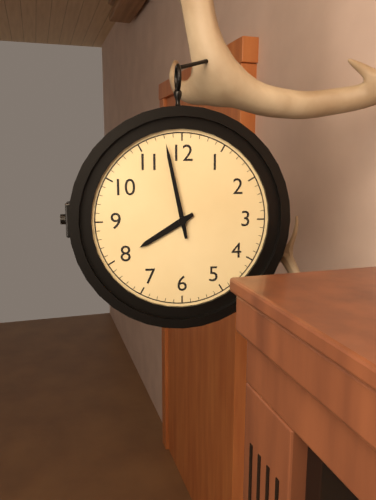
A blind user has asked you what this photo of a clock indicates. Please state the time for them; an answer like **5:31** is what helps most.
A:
**7:58**
